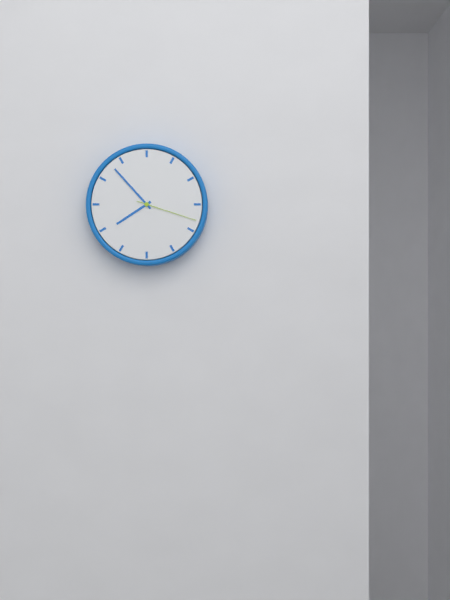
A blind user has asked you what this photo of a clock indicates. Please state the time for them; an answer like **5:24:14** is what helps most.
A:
**7:53:18**
